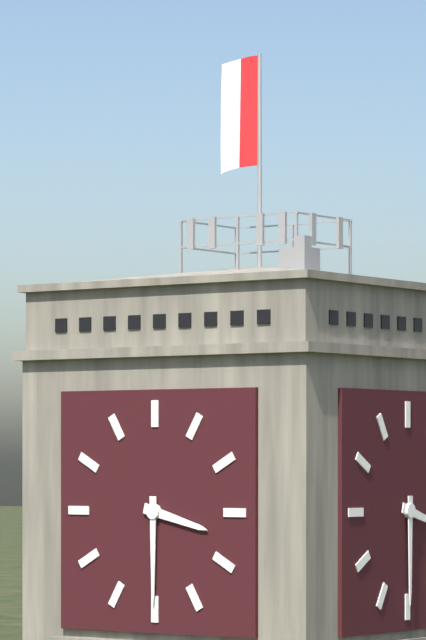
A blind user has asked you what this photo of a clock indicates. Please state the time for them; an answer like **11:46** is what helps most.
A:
**3:30**
